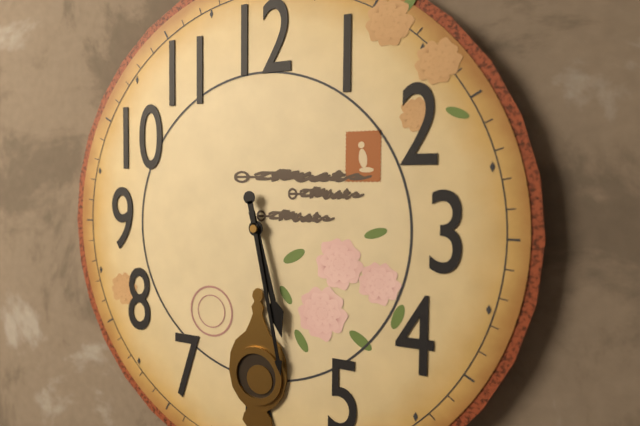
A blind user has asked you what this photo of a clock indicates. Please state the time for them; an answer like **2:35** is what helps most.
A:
**5:28**
